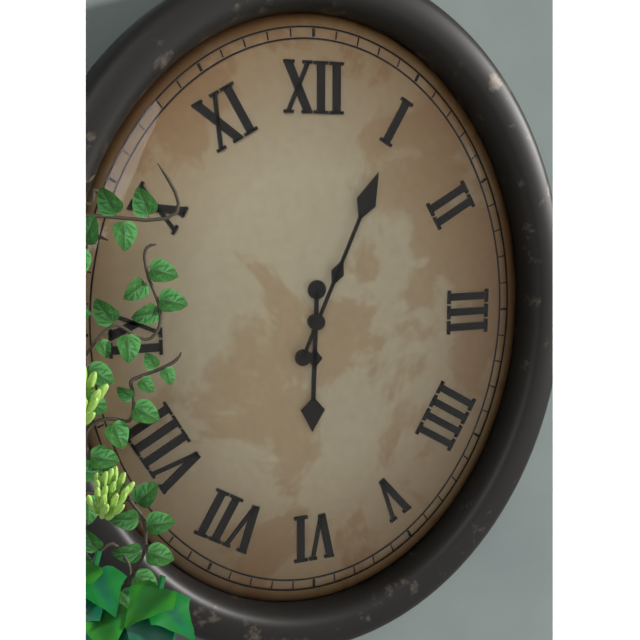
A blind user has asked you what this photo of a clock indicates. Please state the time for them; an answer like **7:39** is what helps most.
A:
**6:04**
